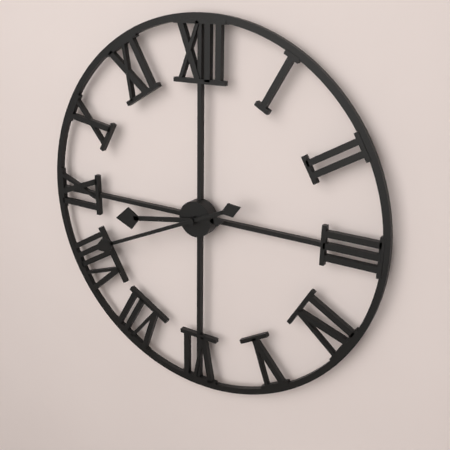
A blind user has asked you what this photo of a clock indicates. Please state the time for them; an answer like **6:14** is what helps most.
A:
**8:41**
